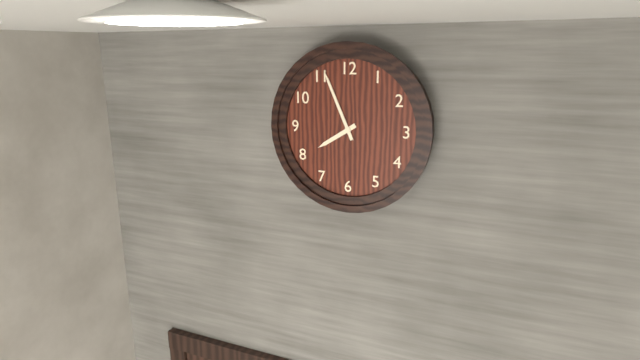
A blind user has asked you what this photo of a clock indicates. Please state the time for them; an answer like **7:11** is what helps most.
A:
**7:56**
